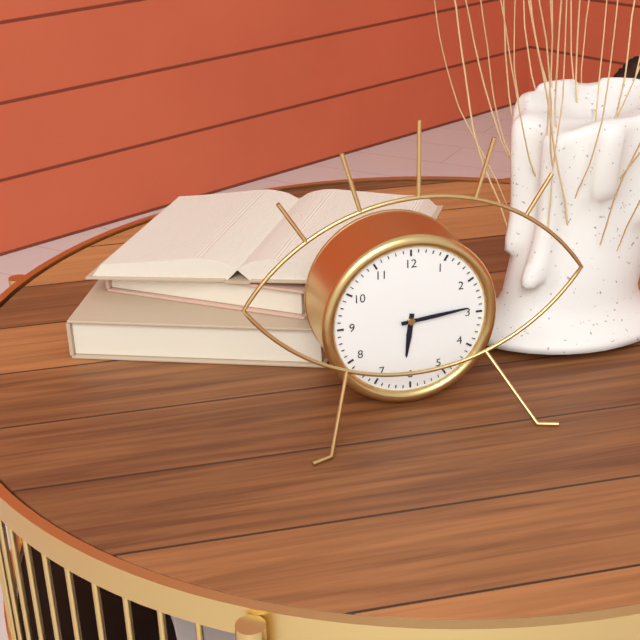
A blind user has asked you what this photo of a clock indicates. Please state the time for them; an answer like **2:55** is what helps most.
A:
**6:14**
